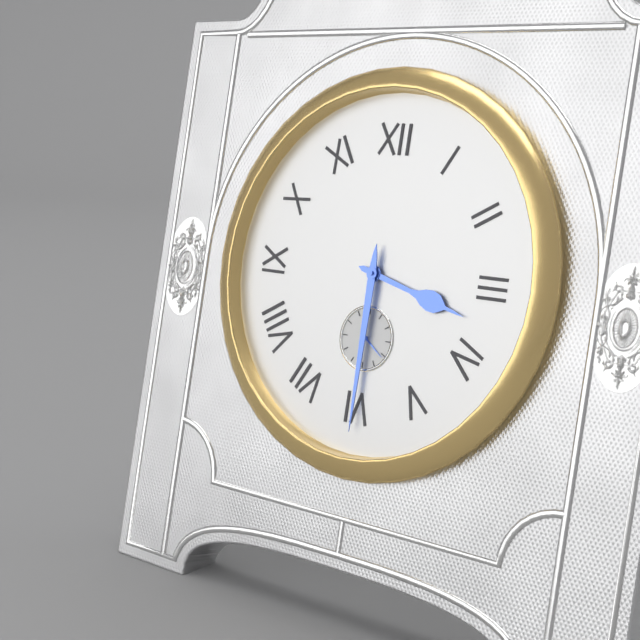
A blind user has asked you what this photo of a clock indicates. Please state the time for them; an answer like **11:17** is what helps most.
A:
**3:30**
